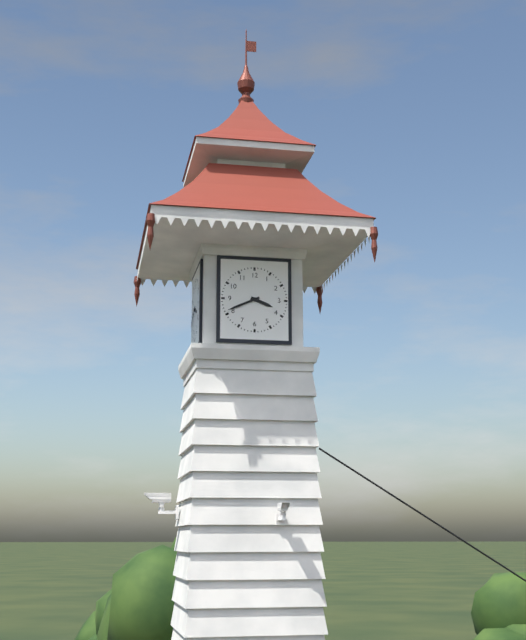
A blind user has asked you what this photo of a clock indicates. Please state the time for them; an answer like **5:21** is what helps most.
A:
**3:41**
